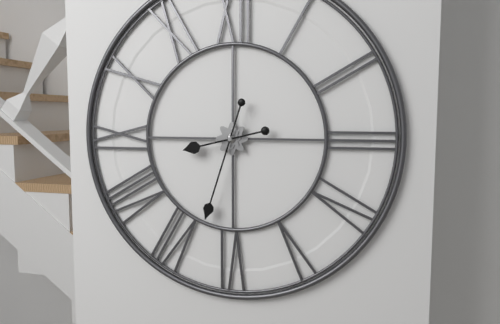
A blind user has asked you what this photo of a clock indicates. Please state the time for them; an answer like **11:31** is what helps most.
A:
**8:33**
